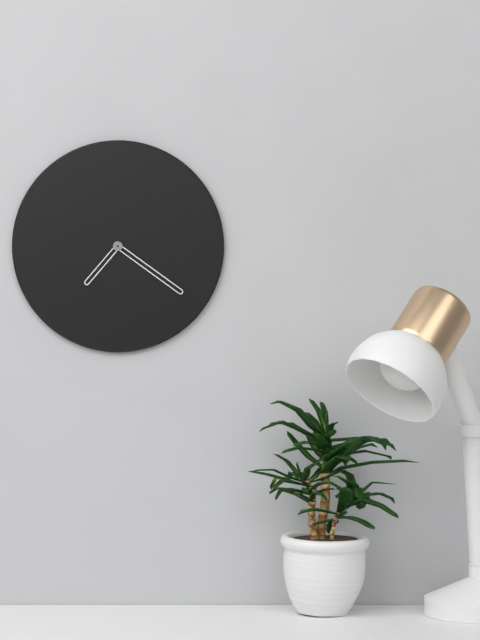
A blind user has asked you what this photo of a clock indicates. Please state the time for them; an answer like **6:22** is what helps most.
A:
**7:21**
